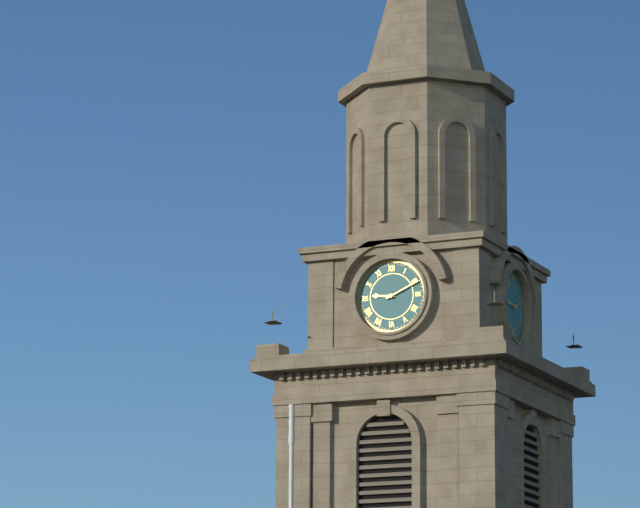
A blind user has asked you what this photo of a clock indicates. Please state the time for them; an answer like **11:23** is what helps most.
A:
**9:11**
